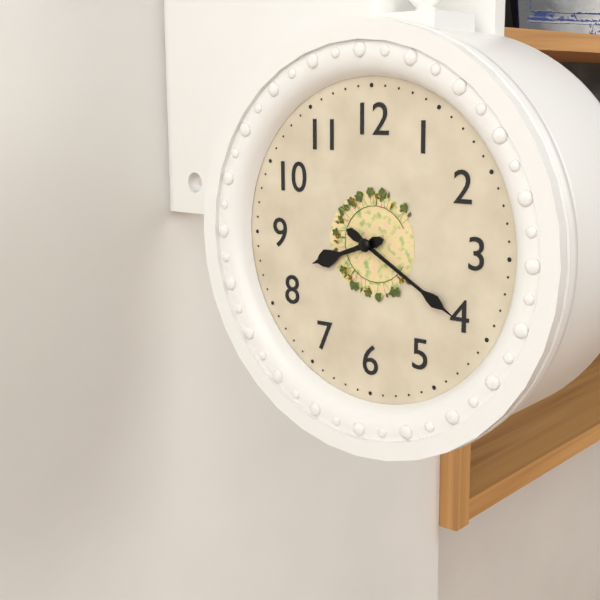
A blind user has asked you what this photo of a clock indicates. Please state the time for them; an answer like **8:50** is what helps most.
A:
**8:20**
